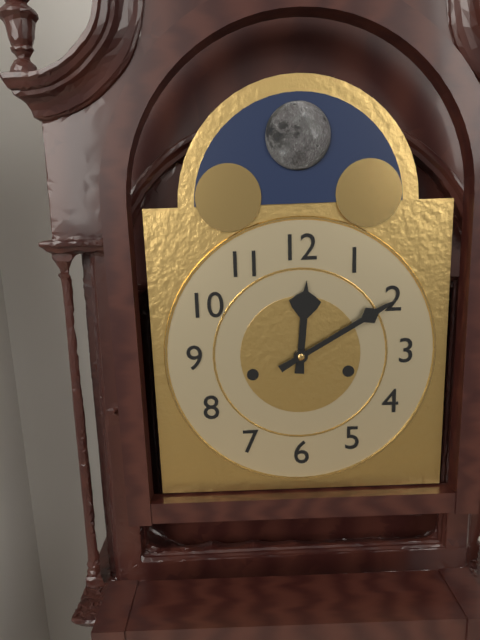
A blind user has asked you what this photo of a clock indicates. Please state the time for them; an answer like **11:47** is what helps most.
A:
**12:10**
